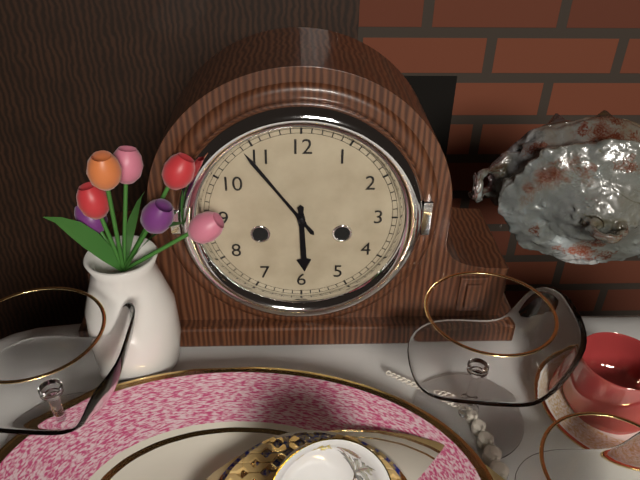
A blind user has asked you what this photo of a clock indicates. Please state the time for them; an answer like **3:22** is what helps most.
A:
**5:54**
